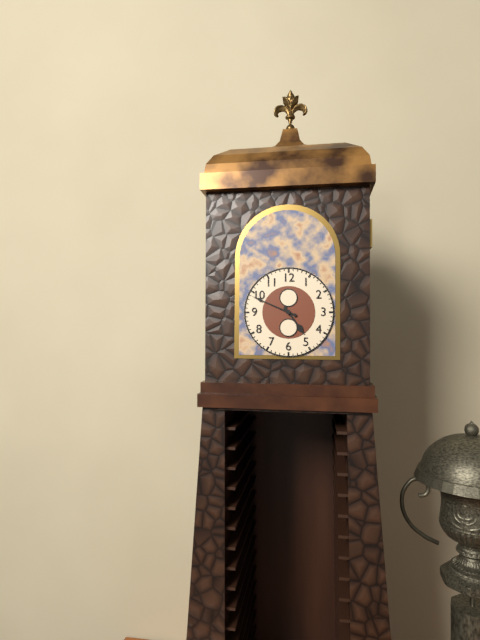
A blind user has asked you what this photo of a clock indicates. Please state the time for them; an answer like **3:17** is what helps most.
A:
**4:49**
